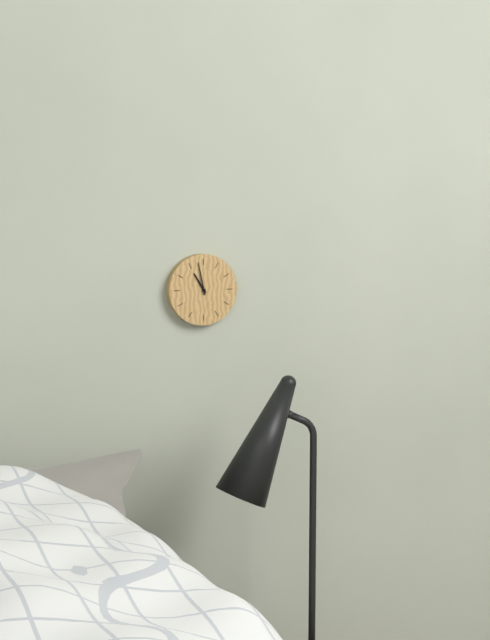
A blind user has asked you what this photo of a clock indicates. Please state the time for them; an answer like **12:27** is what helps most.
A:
**10:58**
